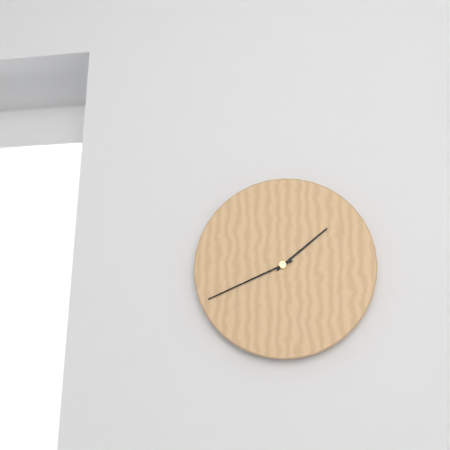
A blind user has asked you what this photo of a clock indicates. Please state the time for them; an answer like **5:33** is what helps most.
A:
**1:41**
